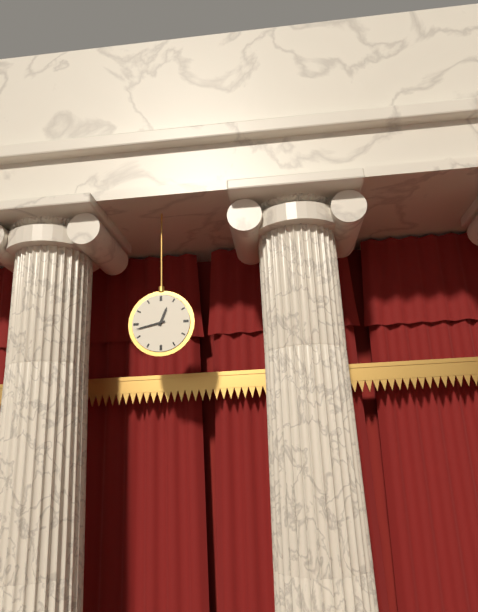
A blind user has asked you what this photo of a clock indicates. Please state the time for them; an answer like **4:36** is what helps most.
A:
**12:43**
